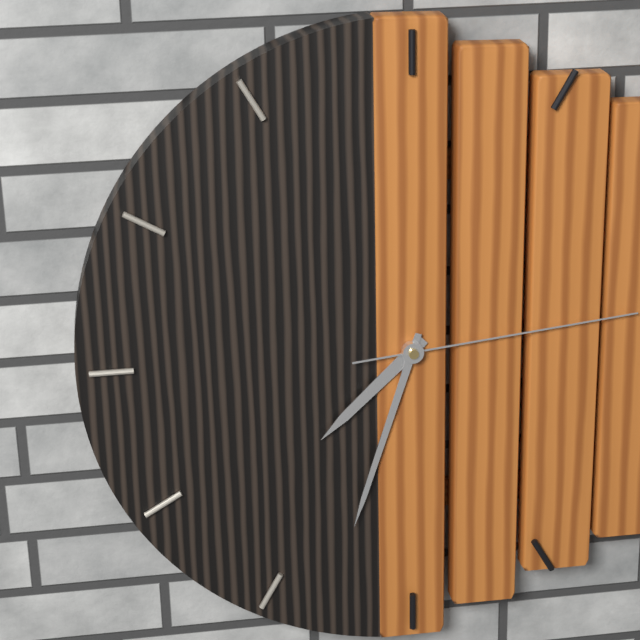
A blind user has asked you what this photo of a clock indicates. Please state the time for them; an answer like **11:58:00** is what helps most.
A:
**7:33:14**
